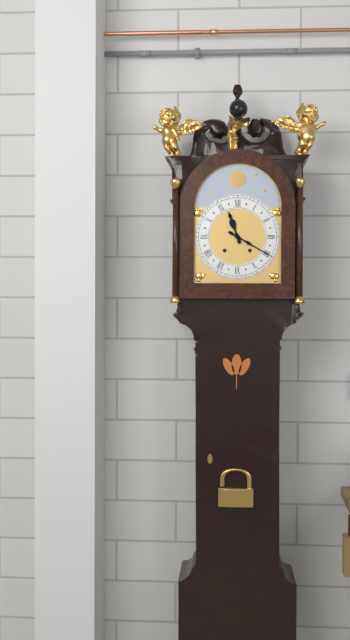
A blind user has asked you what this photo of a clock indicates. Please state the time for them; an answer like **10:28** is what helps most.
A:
**11:20**
